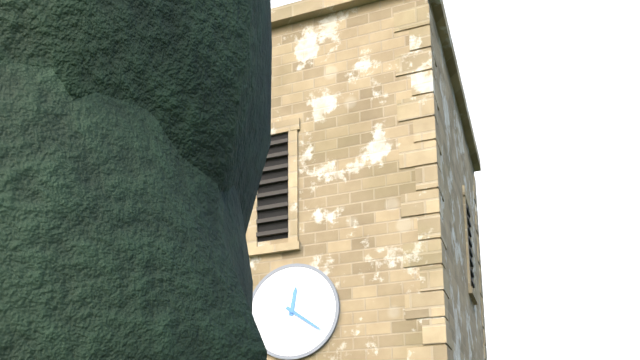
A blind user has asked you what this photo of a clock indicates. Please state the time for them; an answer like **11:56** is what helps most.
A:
**12:21**
